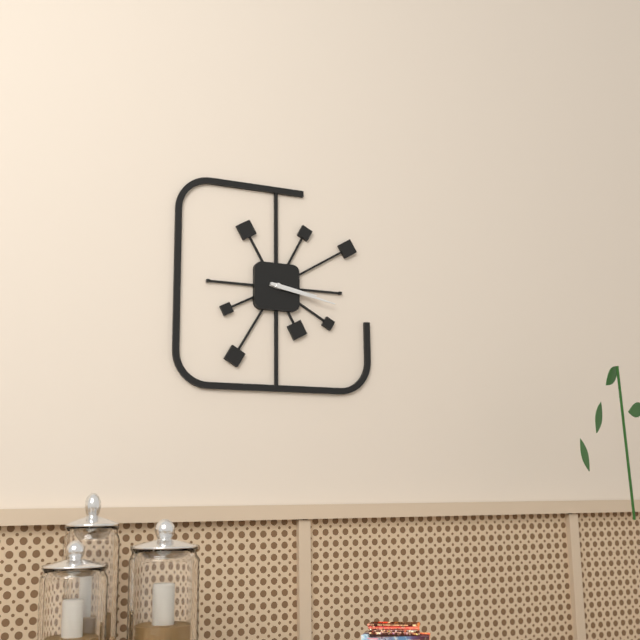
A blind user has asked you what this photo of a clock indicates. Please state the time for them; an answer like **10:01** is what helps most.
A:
**3:17**
